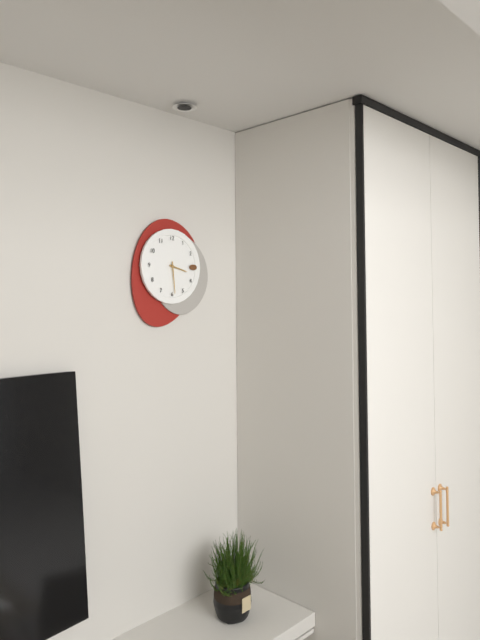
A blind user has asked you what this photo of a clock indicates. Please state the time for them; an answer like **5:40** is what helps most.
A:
**3:29**
